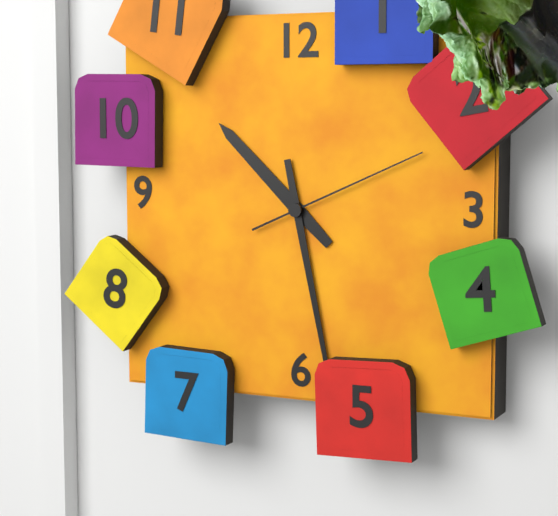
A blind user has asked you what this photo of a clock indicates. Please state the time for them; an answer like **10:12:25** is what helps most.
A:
**10:28:11**
